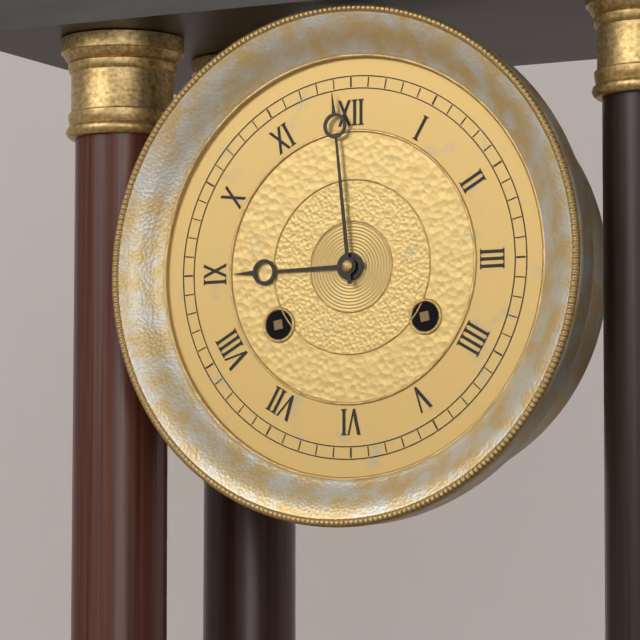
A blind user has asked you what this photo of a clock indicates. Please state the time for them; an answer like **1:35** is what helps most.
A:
**8:59**
